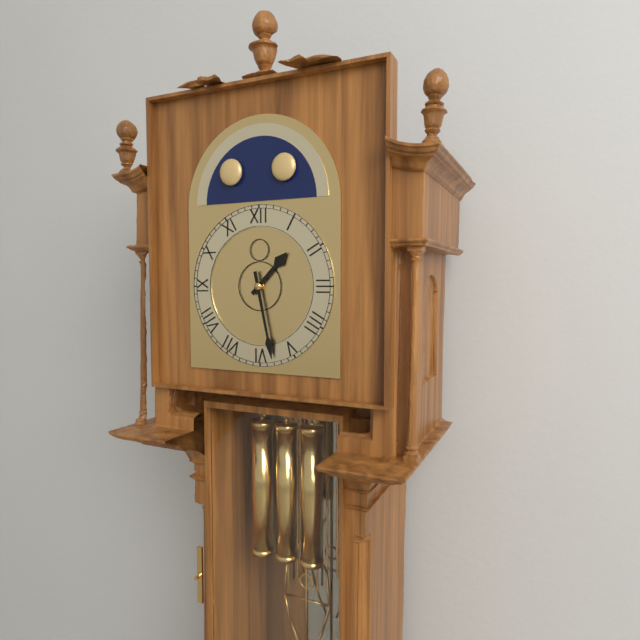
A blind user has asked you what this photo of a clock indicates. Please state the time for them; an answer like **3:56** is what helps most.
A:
**1:28**
